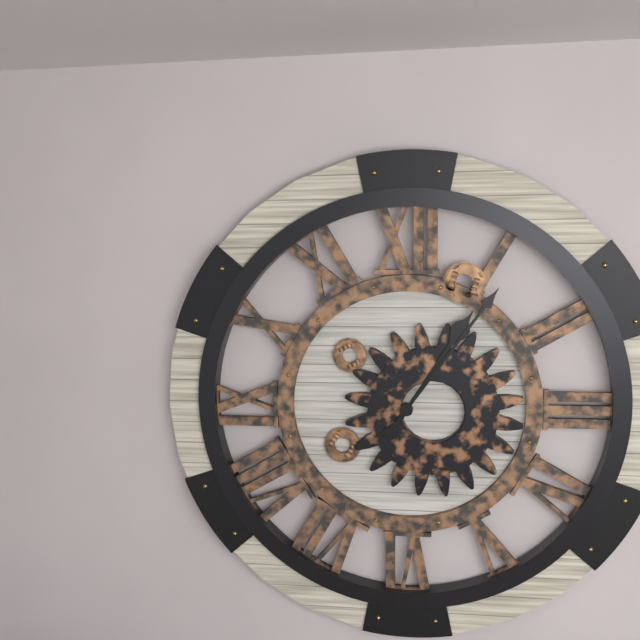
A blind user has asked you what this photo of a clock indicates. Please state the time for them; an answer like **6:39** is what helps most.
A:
**1:06**
